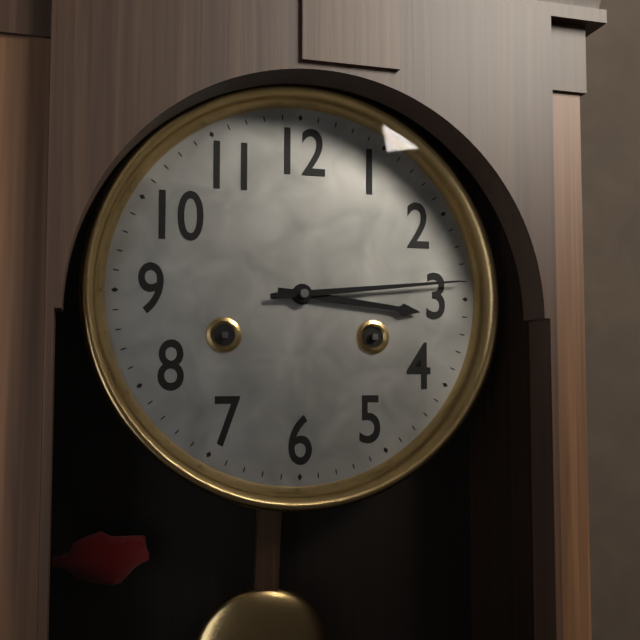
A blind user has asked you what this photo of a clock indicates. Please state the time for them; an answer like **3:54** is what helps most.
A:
**3:14**
